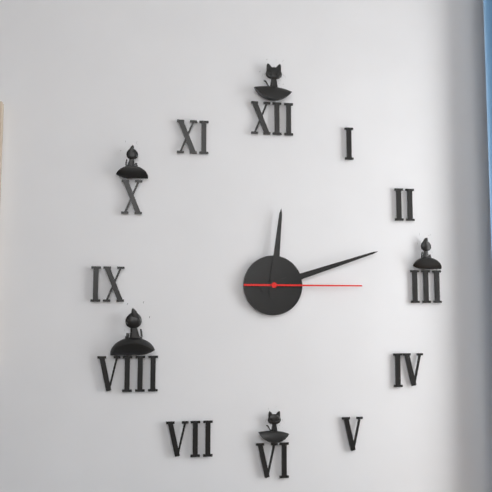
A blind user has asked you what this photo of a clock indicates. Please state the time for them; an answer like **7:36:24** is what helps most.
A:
**12:12:15**
